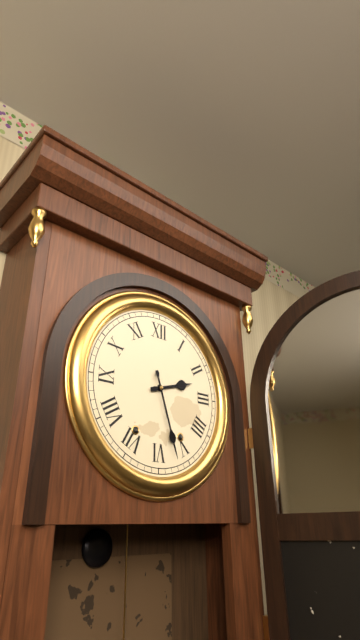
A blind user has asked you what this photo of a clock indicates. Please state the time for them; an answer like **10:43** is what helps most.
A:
**2:27**
